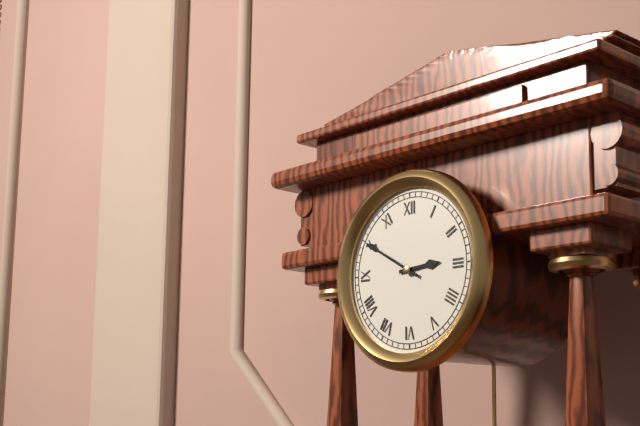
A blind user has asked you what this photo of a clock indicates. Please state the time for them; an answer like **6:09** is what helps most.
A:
**2:50**
